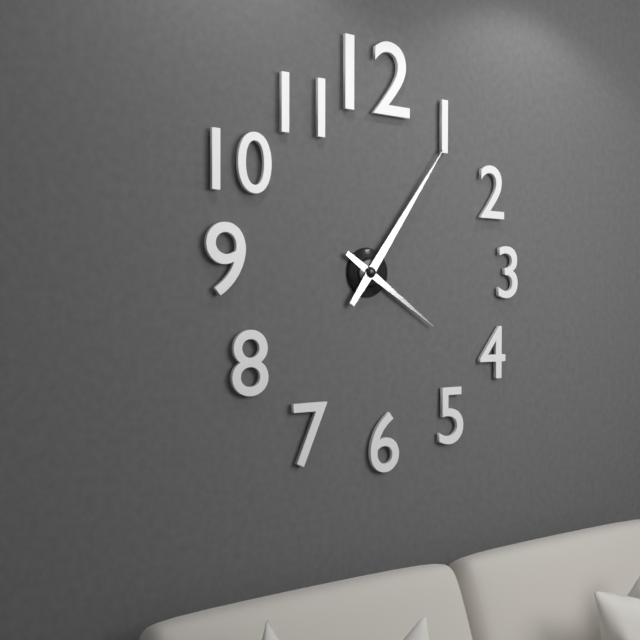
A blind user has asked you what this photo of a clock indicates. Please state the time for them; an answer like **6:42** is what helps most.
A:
**4:06**
